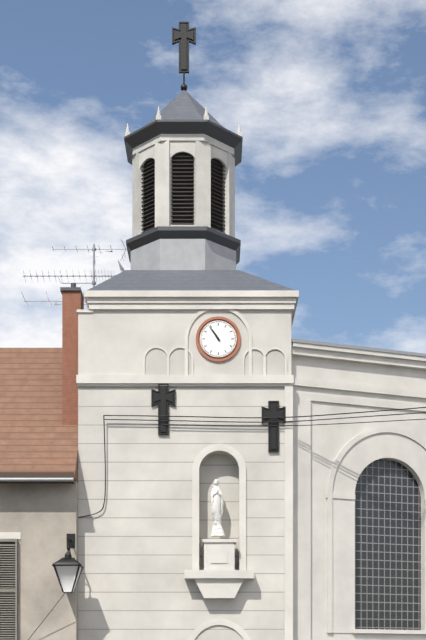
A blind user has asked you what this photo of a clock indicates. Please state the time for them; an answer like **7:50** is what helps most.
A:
**10:54**
